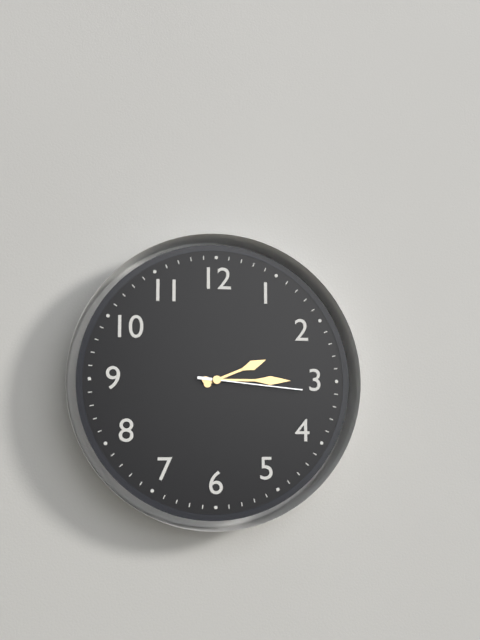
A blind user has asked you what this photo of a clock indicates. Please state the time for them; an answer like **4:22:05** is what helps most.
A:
**2:15:16**
